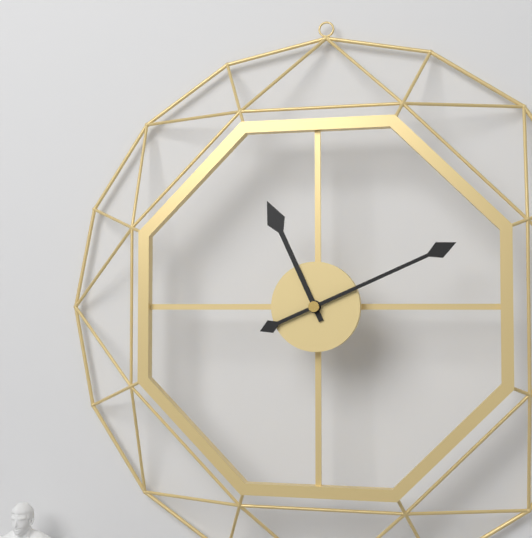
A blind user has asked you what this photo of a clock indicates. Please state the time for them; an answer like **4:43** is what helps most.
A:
**11:11**
